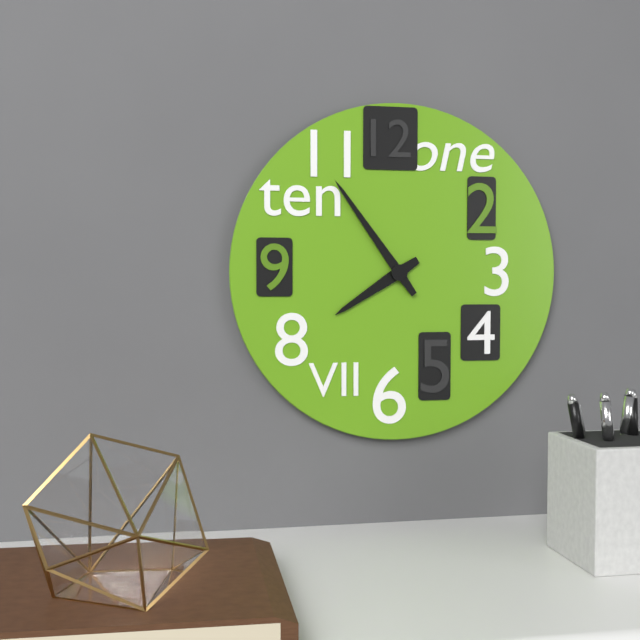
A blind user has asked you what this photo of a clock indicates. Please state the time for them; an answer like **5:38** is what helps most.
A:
**7:54**
